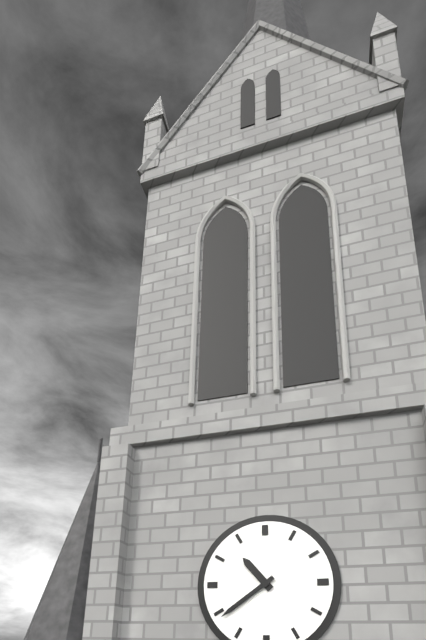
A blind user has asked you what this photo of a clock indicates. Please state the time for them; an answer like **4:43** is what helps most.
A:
**10:39**
